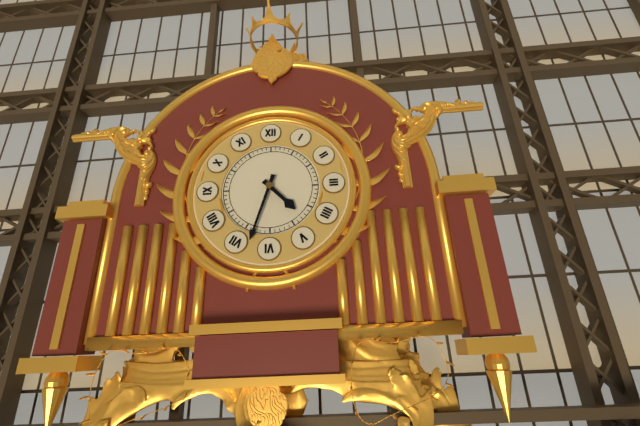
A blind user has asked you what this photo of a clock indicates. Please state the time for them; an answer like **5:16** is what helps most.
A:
**4:33**
